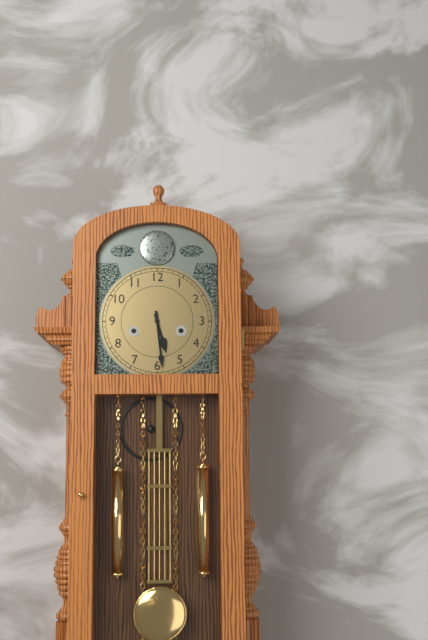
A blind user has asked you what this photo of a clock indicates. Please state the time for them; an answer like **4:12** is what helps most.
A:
**5:29**
